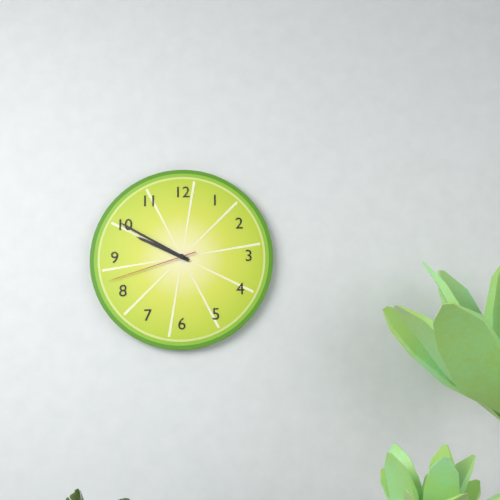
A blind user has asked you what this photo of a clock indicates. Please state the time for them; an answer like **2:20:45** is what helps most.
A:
**9:50:42**
